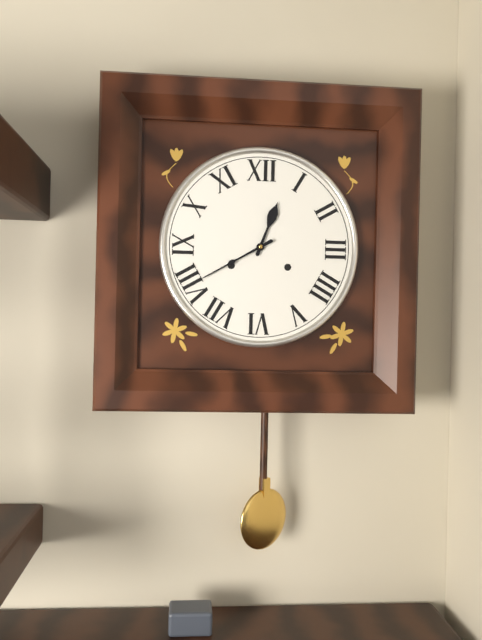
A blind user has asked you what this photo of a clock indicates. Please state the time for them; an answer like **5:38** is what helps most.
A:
**12:40**
